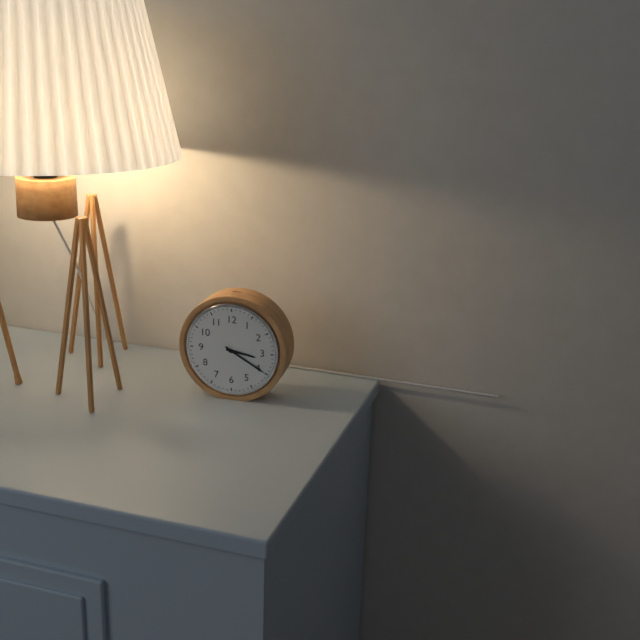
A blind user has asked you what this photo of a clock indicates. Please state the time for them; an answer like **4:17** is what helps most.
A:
**3:20**
